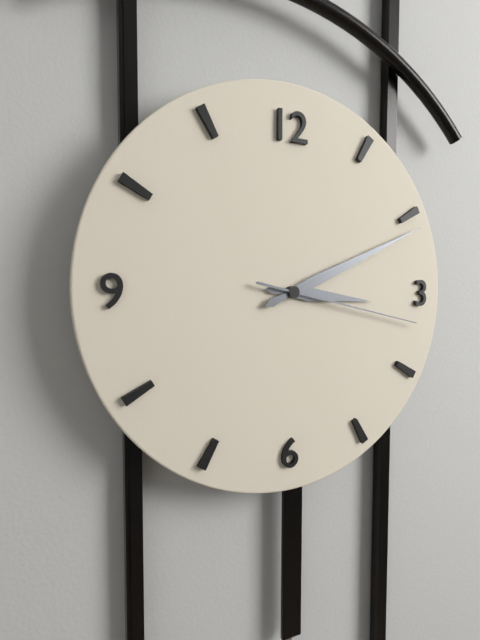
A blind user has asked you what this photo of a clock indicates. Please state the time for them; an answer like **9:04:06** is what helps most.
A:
**3:11:17**
